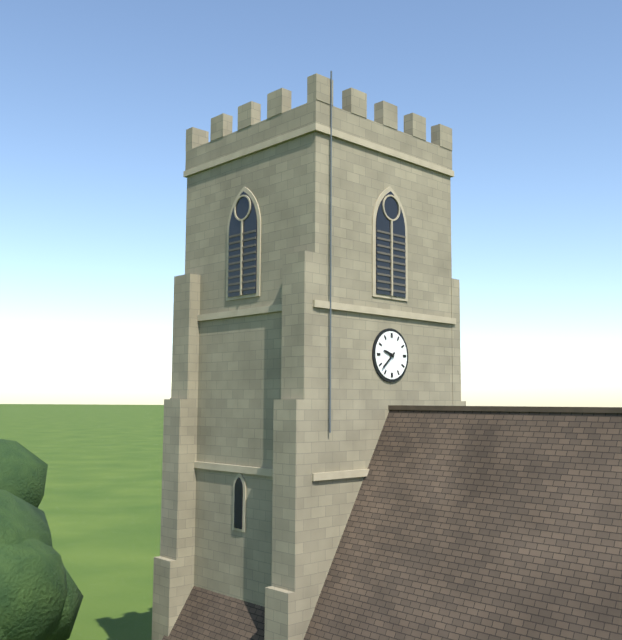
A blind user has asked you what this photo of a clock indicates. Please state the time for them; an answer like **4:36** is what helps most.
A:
**9:38**
